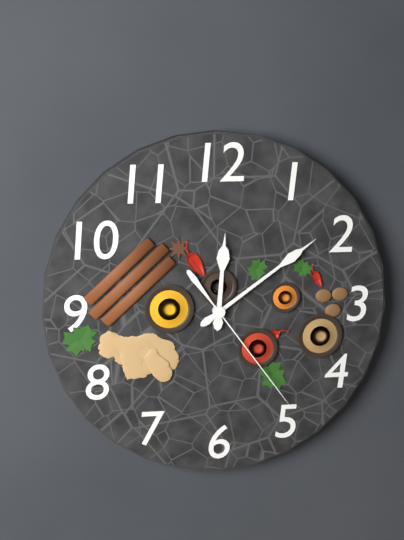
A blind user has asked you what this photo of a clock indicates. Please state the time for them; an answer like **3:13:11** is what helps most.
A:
**12:09:24**
